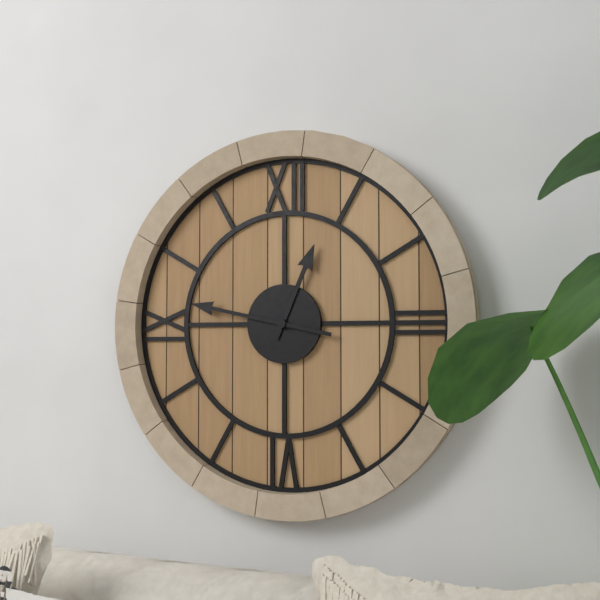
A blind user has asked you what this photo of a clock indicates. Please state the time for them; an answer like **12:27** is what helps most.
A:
**12:47**
